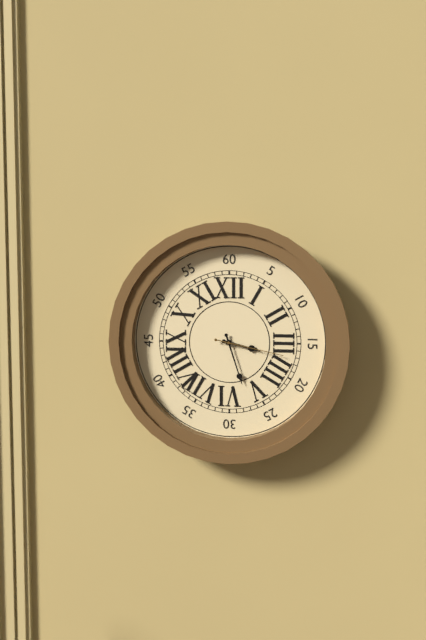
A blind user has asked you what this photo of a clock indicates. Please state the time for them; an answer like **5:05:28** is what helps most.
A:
**3:27:17**
